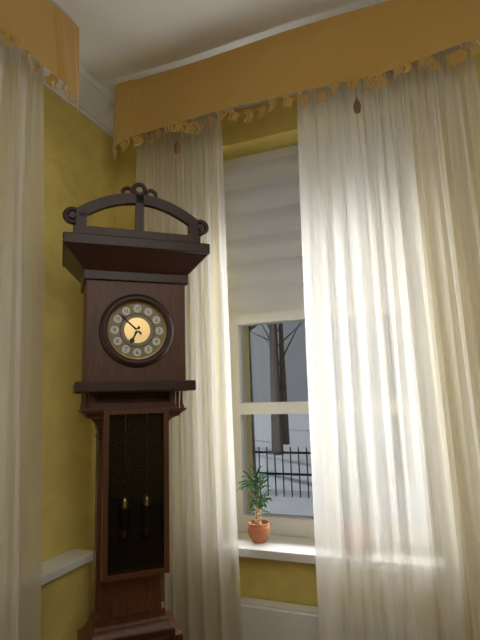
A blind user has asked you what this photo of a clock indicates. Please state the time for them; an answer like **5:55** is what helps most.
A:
**6:52**
